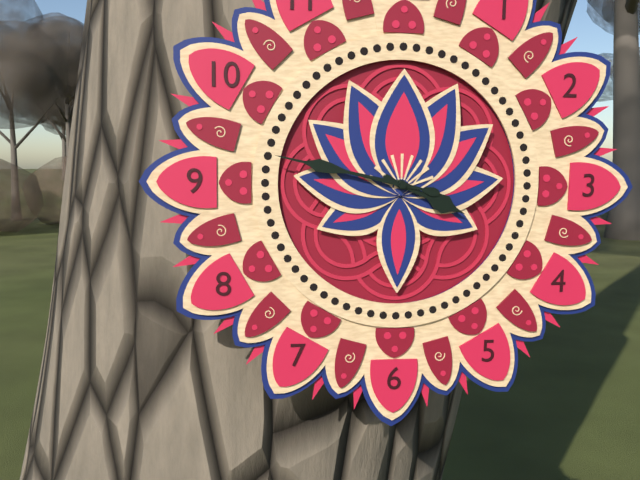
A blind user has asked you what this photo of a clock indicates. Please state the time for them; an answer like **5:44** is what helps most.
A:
**3:47**
